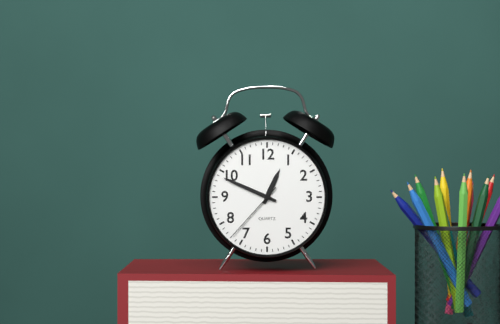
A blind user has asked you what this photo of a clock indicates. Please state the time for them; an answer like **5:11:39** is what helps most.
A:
**12:49:37**
